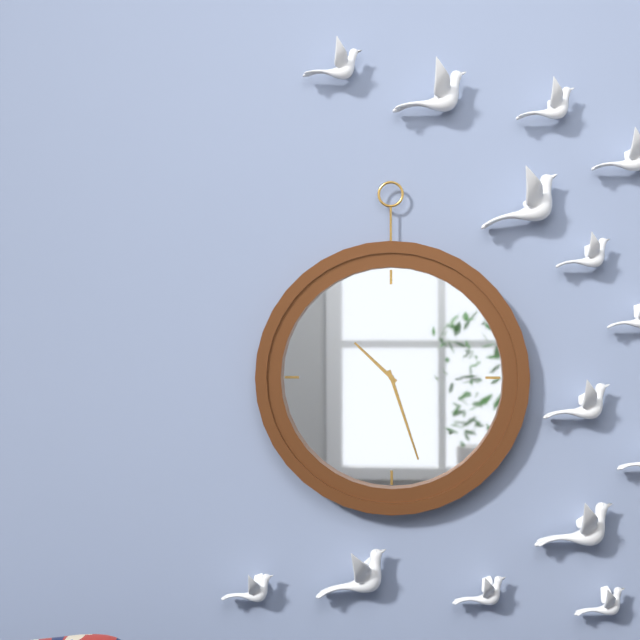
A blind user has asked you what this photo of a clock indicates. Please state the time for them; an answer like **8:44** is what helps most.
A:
**10:27**
